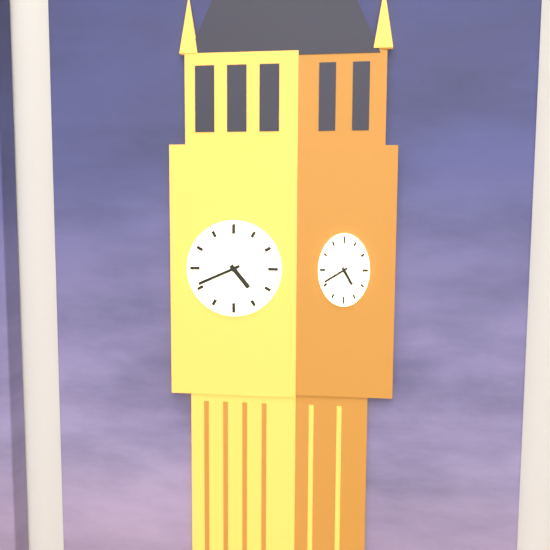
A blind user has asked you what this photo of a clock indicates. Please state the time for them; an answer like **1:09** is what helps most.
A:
**4:41**
